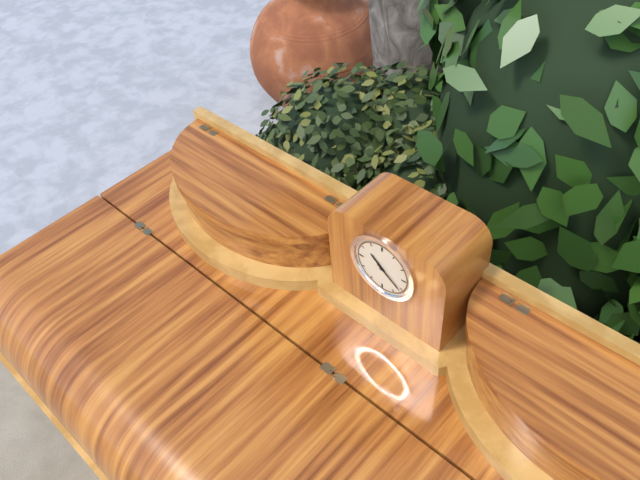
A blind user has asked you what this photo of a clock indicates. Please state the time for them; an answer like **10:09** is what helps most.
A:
**10:21**
